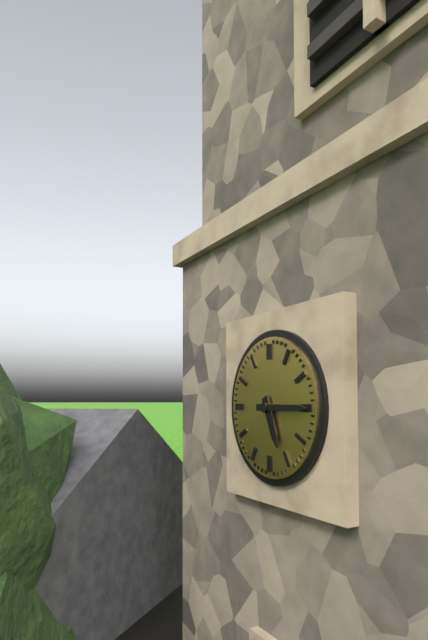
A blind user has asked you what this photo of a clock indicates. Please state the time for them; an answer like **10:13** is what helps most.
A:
**5:15**
